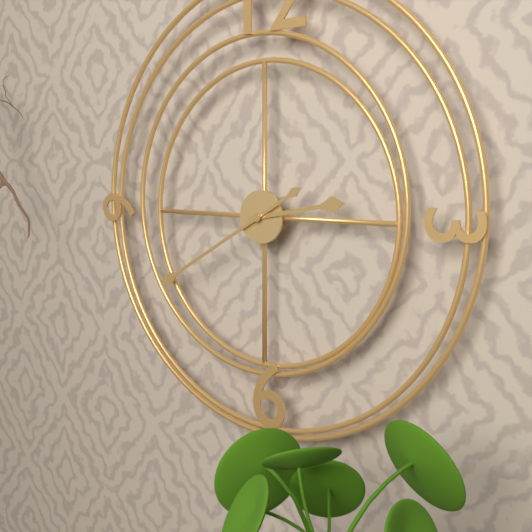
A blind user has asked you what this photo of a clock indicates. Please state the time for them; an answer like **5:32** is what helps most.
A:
**2:40**
